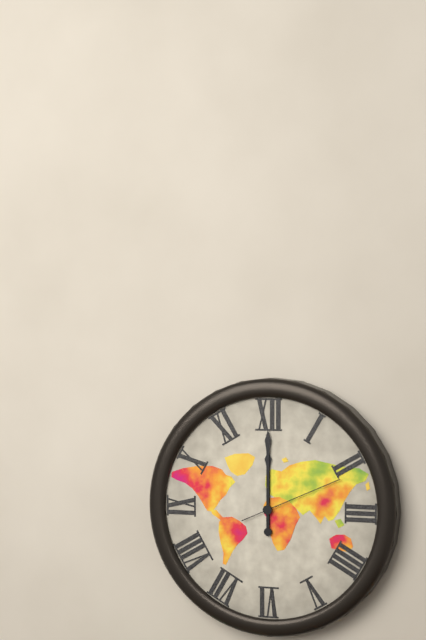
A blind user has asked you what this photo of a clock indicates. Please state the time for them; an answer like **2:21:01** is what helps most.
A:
**12:00:11**
